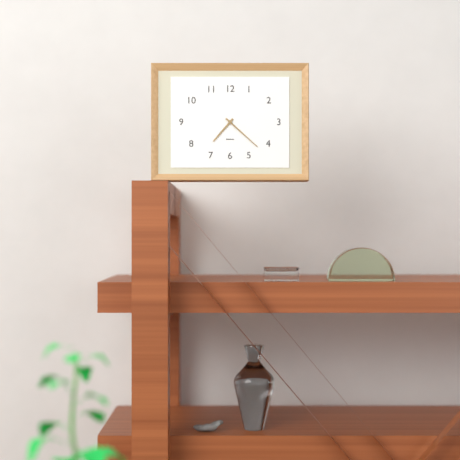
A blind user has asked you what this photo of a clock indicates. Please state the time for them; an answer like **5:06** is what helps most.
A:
**7:22**
